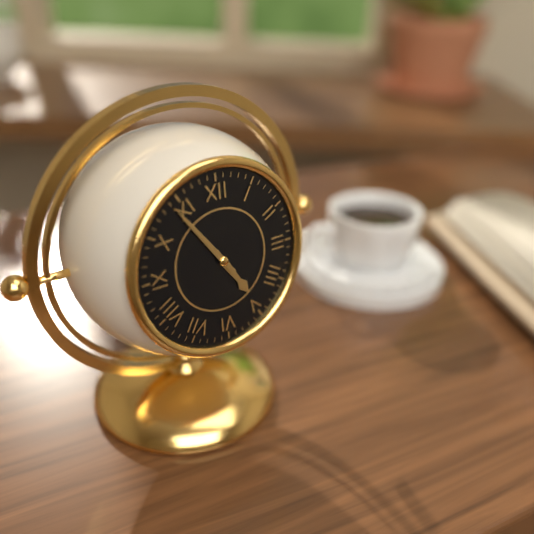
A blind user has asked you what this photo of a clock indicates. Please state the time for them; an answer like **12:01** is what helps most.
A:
**4:54**
